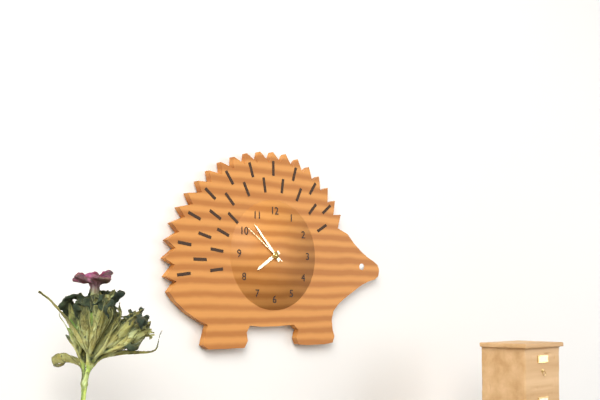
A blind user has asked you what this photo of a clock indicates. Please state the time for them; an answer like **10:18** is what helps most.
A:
**7:53**
